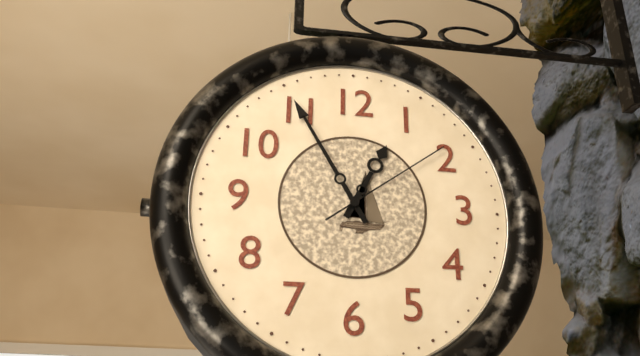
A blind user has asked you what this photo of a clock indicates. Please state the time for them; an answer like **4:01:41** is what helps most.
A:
**12:55:09**
